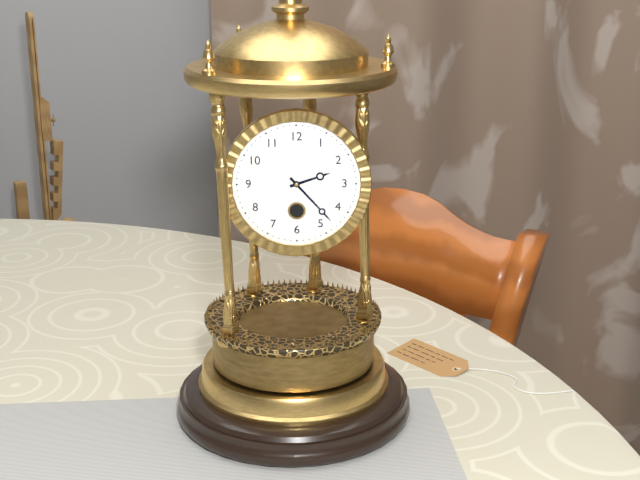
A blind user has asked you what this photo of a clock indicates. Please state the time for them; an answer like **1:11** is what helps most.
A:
**2:23**
